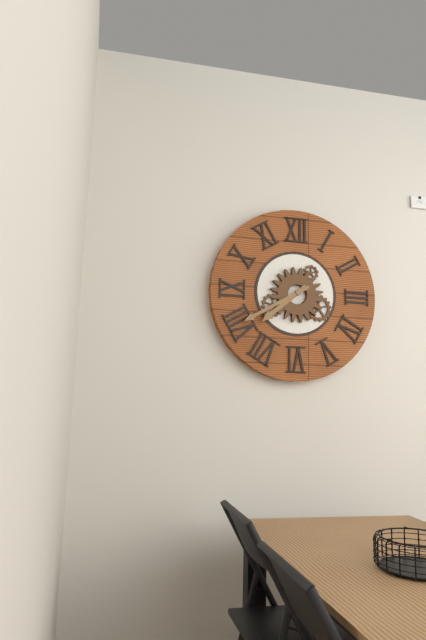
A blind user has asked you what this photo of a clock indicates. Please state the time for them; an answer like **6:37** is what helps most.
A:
**7:40**
